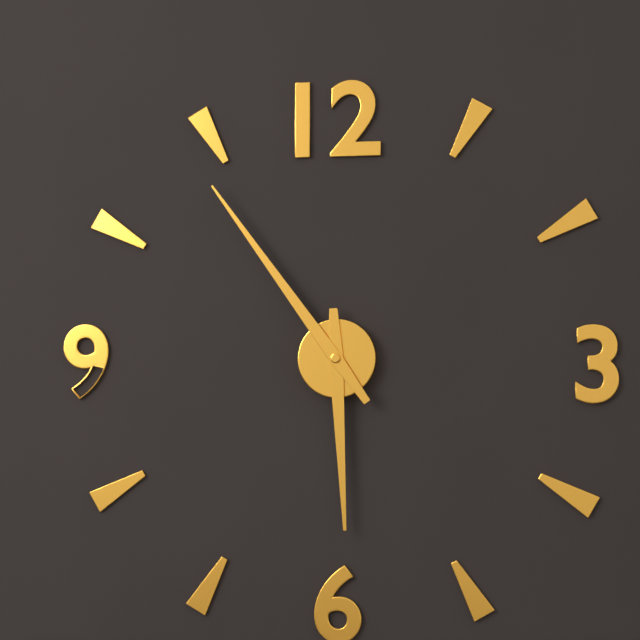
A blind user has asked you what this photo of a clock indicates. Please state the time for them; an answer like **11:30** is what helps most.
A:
**5:54**
